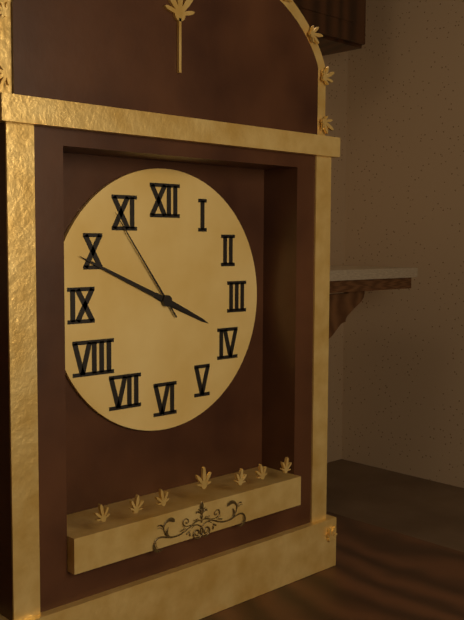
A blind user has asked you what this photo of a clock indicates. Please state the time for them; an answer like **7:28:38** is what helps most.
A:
**3:49:54**
